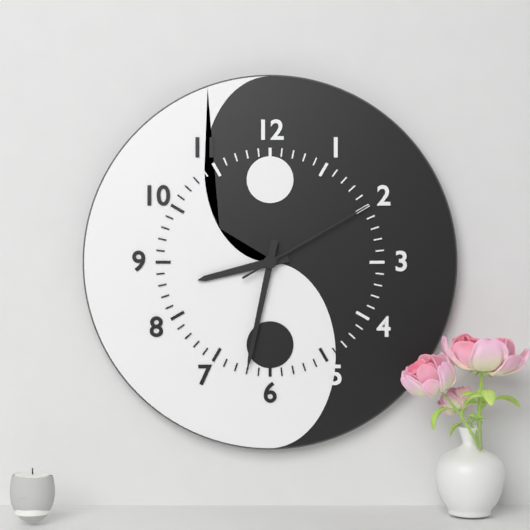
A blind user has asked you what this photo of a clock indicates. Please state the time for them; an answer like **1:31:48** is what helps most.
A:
**8:32:10**
